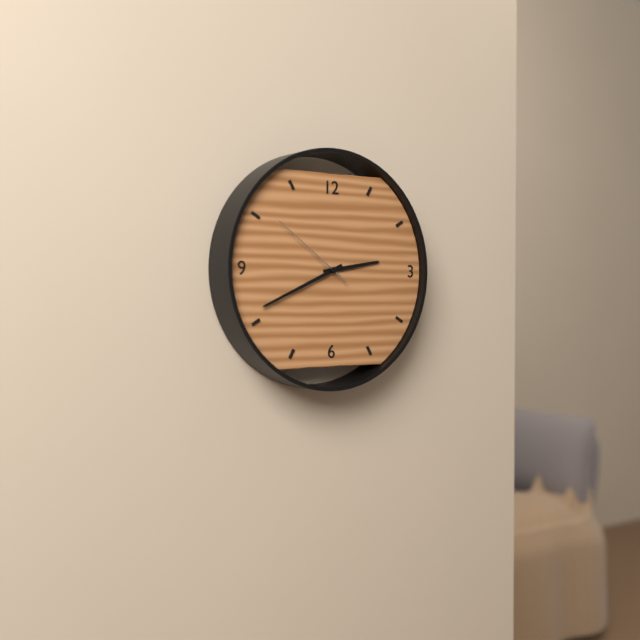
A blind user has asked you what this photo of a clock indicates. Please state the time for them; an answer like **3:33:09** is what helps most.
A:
**2:41:51**
